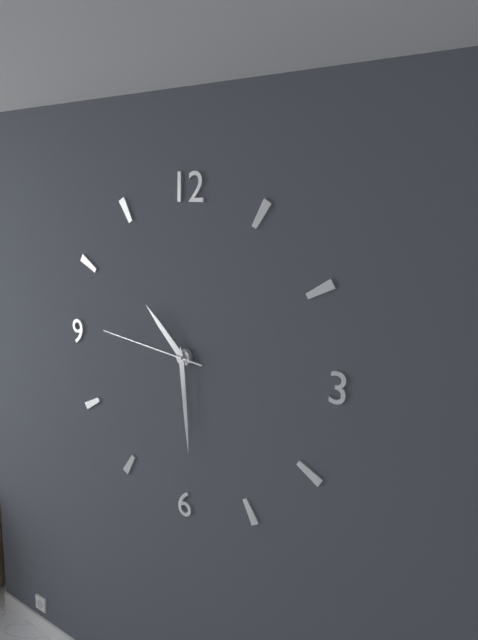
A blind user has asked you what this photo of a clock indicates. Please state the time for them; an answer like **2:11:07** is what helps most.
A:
**10:29:46**
